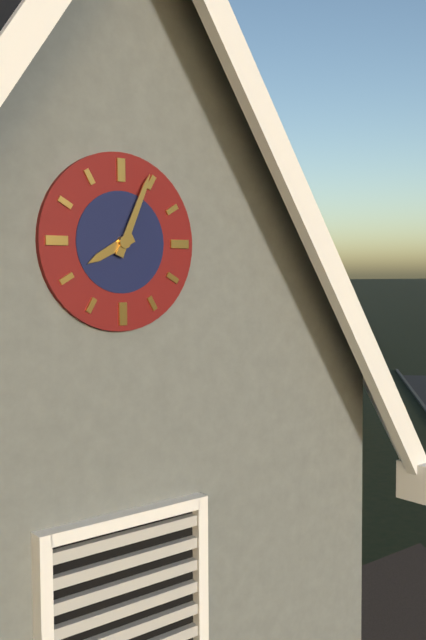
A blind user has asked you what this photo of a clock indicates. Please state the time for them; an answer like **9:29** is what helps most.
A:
**8:04**
